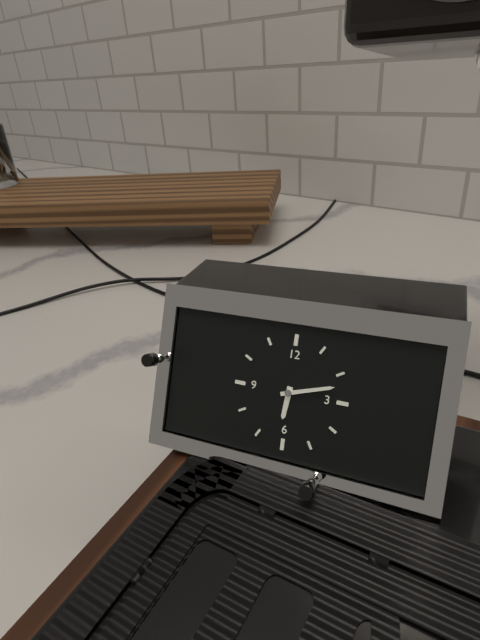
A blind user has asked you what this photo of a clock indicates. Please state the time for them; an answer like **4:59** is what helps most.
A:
**6:12**
